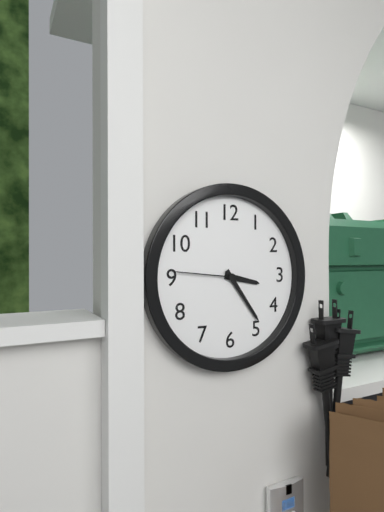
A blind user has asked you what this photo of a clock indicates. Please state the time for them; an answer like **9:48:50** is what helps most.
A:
**3:24:46**
